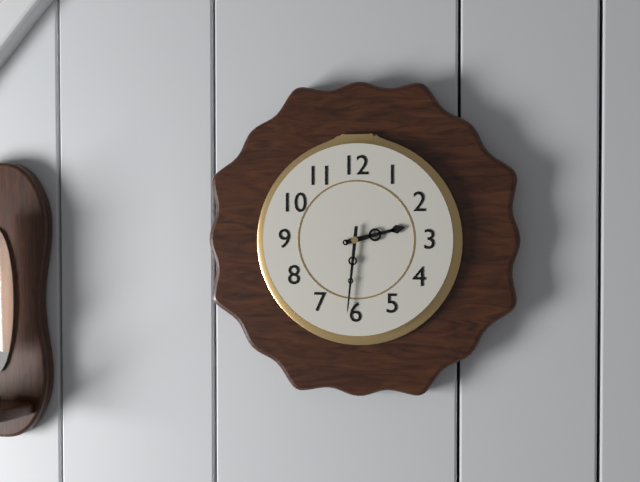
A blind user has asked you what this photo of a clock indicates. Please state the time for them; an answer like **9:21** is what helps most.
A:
**2:31**
